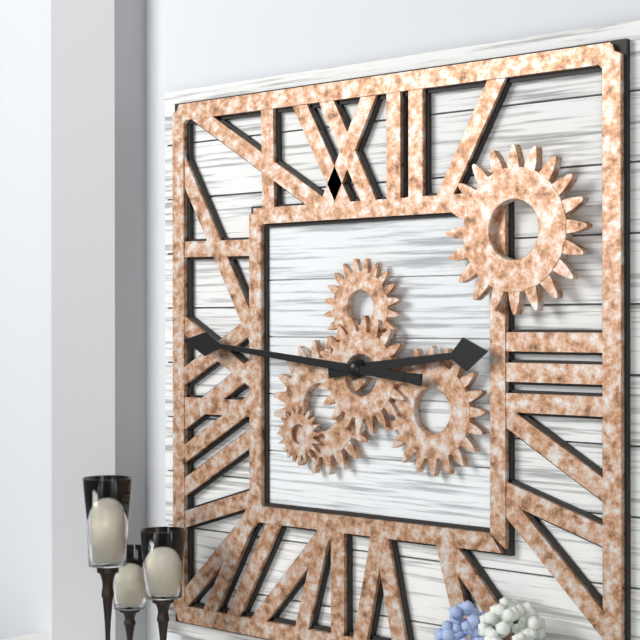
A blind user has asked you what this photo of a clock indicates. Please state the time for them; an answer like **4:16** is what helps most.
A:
**2:46**
